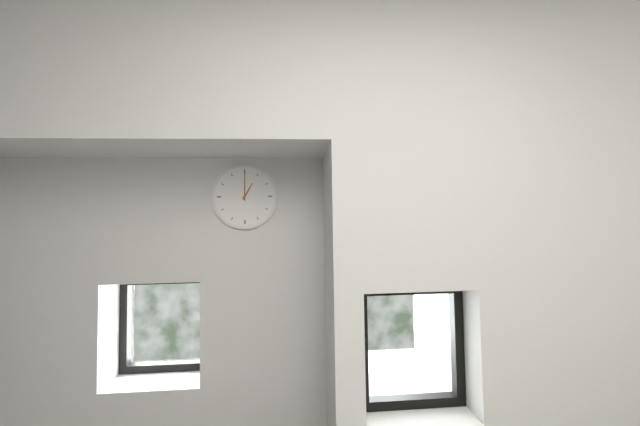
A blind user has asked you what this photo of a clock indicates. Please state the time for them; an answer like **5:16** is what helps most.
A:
**1:00**
